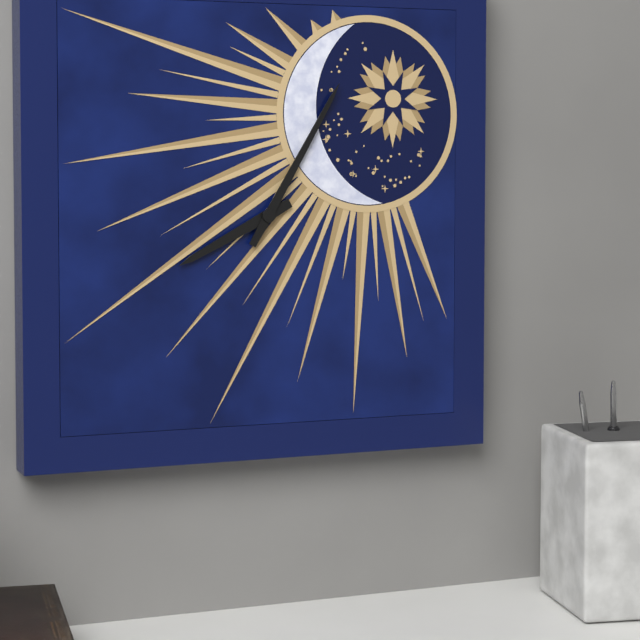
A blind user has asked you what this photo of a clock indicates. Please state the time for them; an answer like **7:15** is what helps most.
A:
**8:05**
